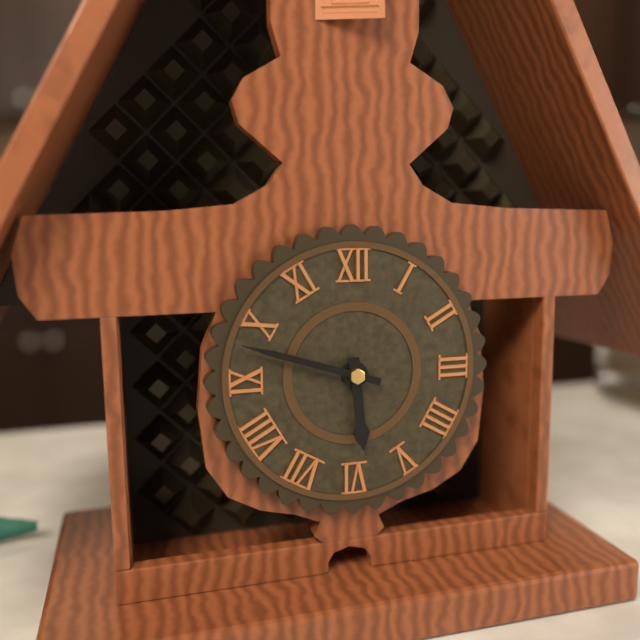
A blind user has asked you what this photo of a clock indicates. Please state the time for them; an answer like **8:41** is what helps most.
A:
**5:48**
